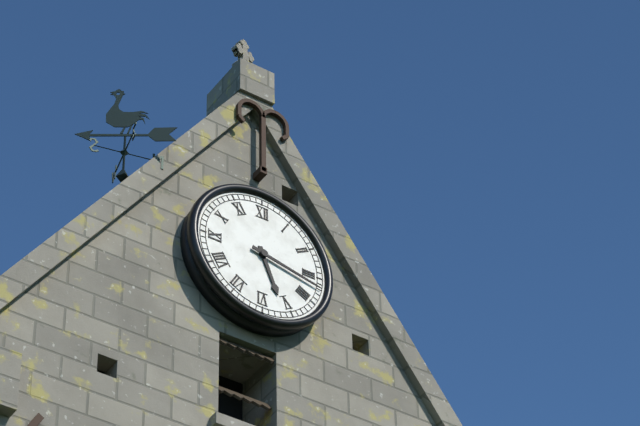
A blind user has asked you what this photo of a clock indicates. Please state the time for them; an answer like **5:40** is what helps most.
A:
**5:17**
